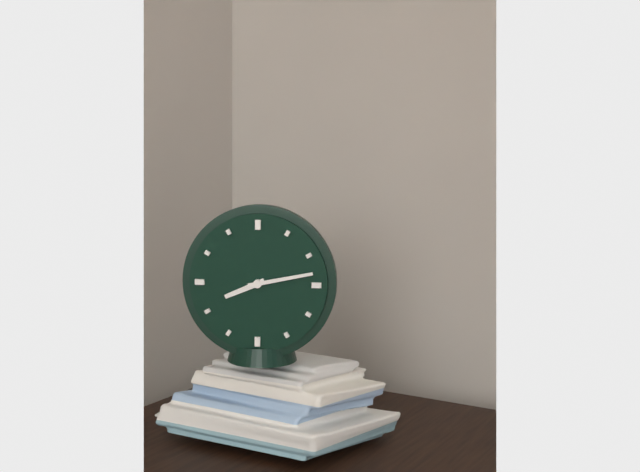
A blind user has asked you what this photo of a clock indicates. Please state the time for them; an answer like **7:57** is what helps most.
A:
**8:13**
